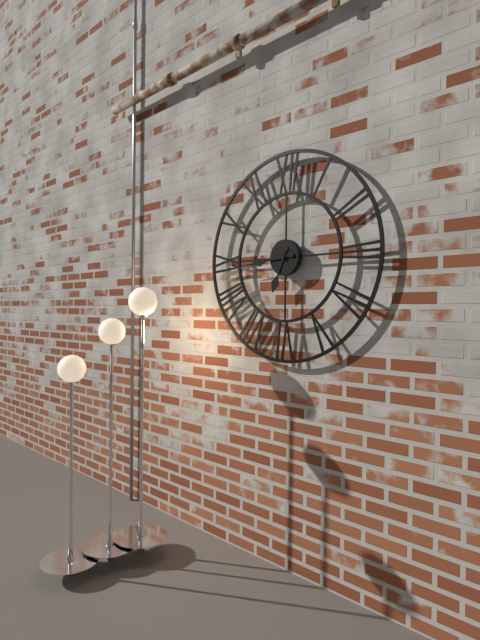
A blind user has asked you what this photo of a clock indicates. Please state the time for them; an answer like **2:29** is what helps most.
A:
**6:44**
